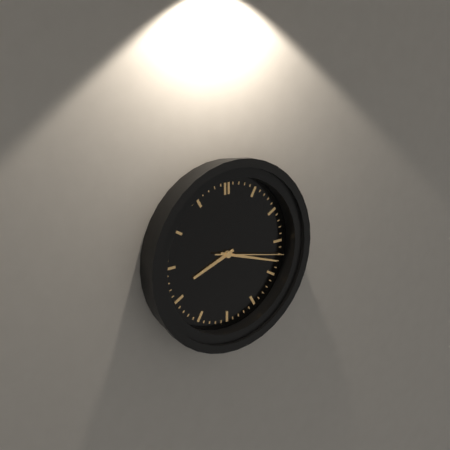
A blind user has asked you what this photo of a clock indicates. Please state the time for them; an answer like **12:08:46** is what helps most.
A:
**8:18:17**
